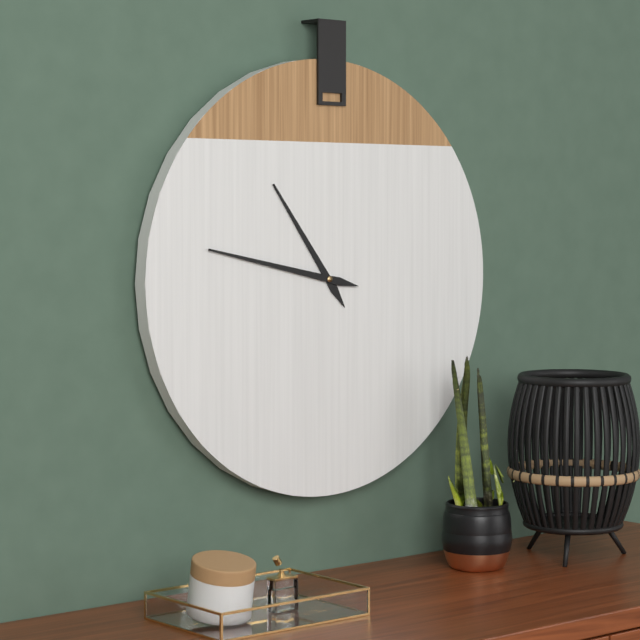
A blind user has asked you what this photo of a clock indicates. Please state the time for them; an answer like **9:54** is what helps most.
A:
**10:47**
